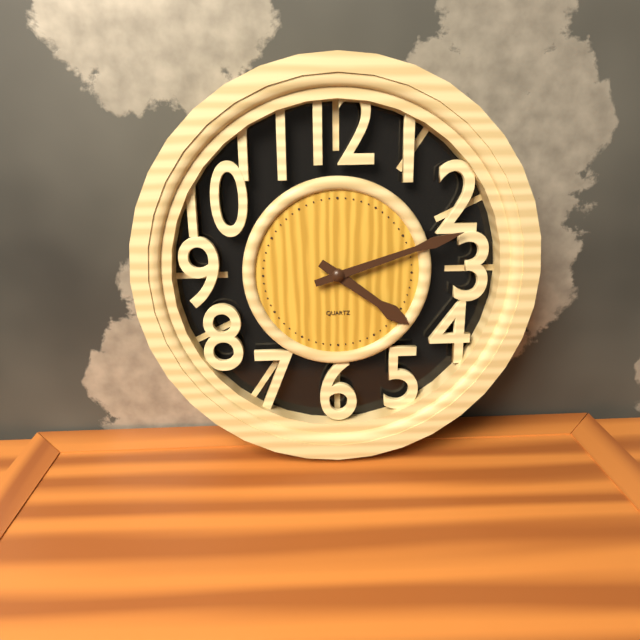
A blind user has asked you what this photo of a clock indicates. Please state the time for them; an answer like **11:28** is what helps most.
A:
**4:12**
